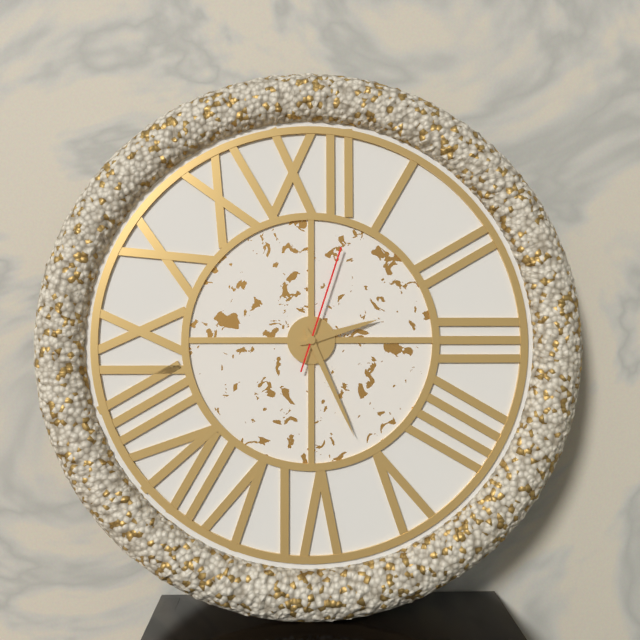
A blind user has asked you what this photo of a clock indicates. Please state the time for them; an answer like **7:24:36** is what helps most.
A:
**2:26:03**
